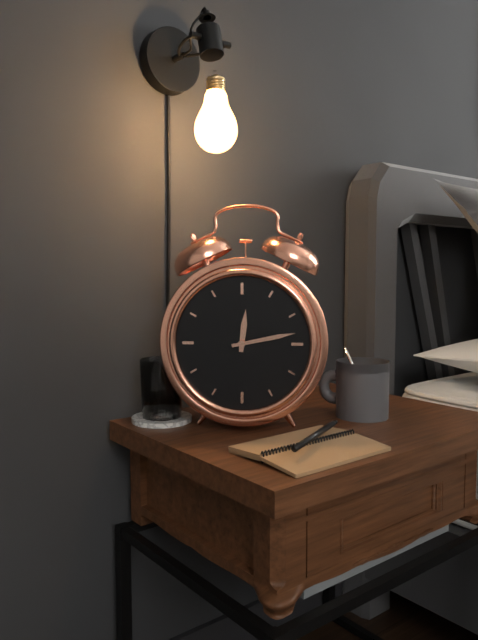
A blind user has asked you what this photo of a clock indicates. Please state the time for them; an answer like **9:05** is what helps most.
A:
**12:13**
